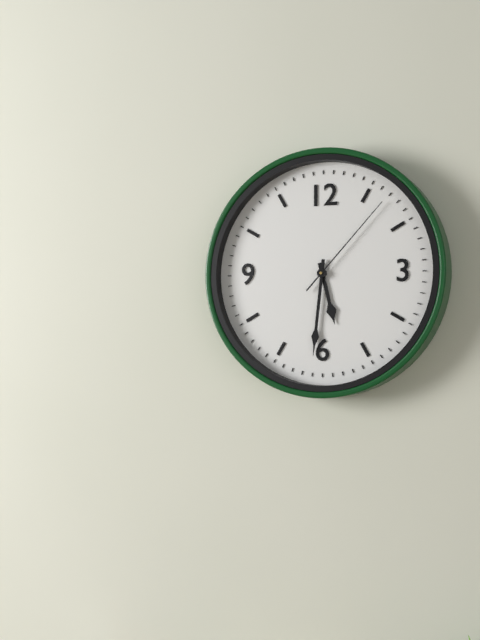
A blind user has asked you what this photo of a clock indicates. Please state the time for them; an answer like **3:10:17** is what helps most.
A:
**5:31:07**
